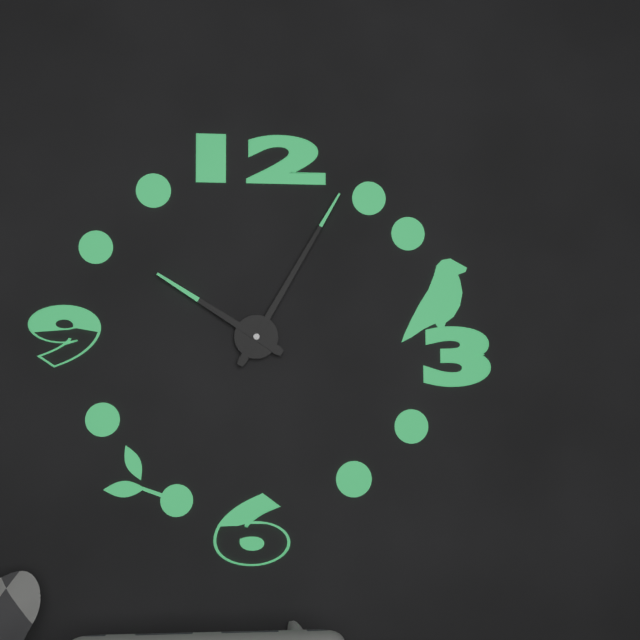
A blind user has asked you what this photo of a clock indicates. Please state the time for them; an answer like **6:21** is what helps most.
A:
**10:05**
